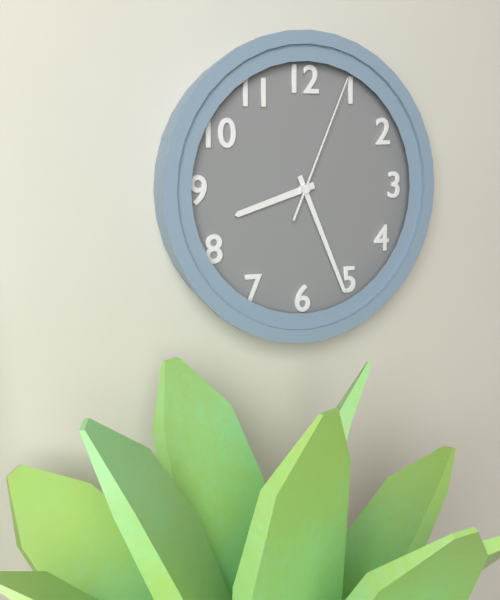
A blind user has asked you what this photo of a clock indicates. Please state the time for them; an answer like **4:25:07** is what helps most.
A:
**8:26:04**
